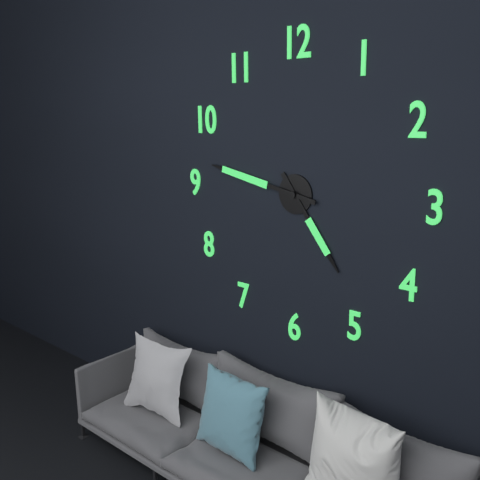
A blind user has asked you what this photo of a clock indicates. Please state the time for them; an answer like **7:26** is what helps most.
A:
**4:47**
